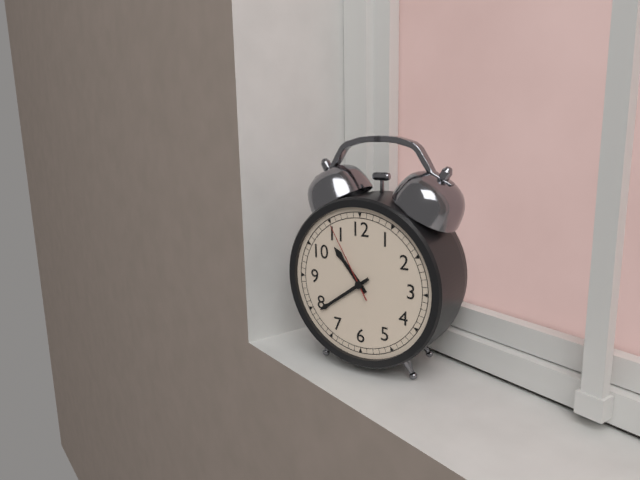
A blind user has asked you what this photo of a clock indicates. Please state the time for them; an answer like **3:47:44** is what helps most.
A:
**10:39:55**
